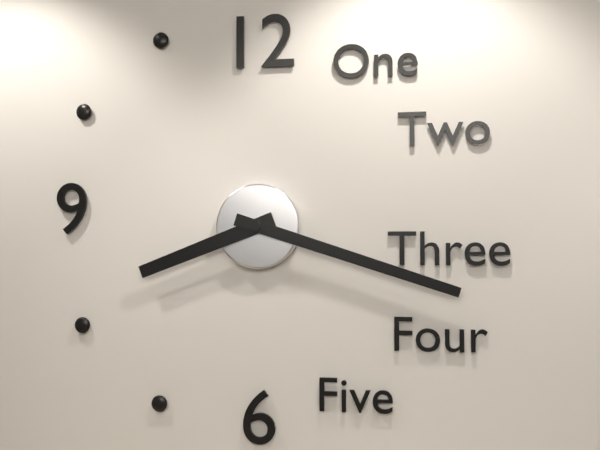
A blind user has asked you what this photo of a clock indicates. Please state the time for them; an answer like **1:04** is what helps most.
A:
**8:18**
